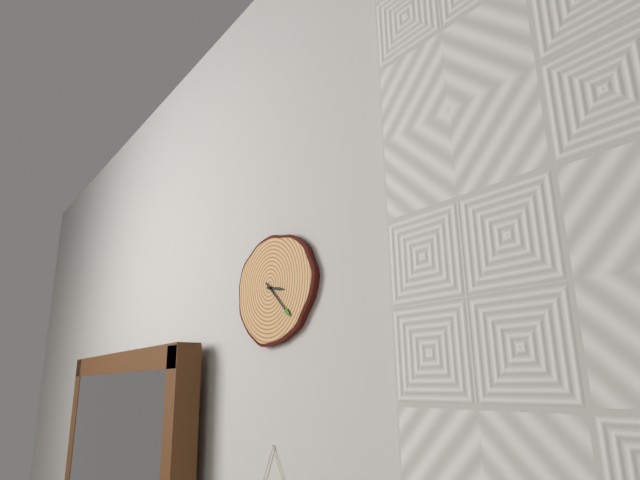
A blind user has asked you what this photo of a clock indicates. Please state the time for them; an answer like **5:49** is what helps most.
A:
**3:22**
